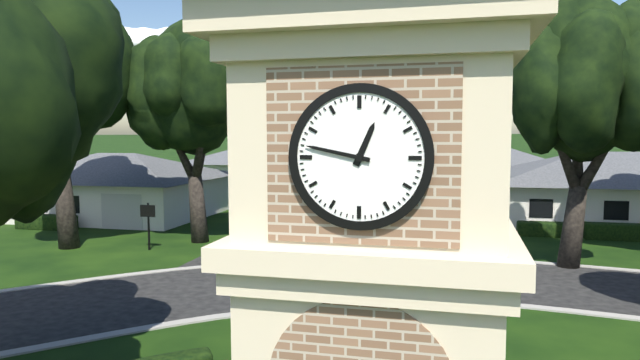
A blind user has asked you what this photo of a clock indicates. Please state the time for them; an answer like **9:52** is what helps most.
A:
**12:47**
